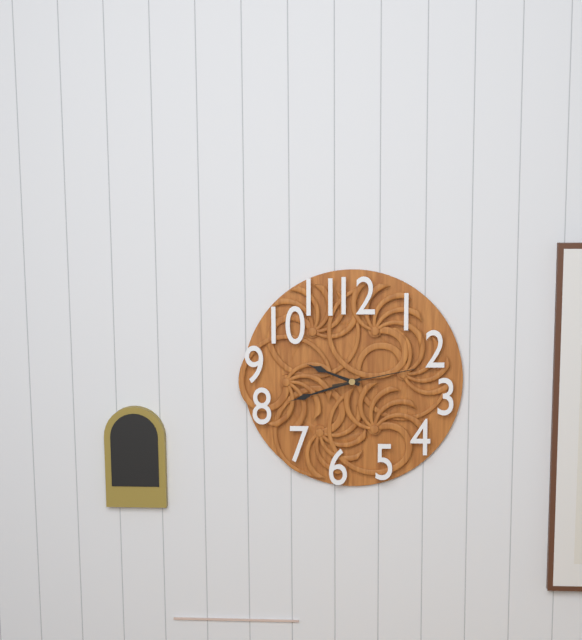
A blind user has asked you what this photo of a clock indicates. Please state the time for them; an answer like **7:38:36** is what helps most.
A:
**9:42:13**
